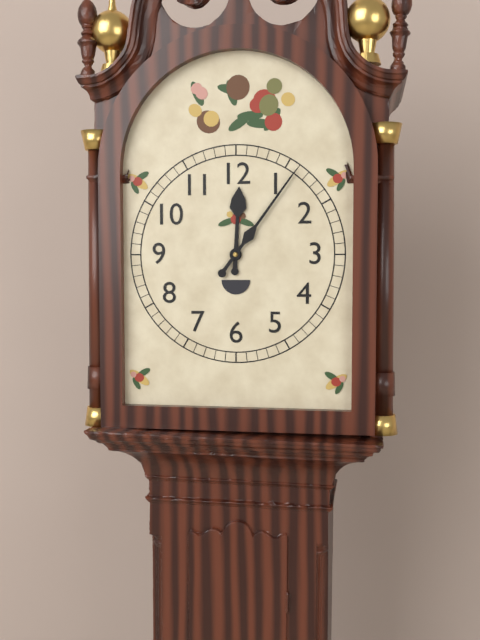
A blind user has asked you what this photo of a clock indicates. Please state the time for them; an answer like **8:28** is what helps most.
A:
**12:06**
